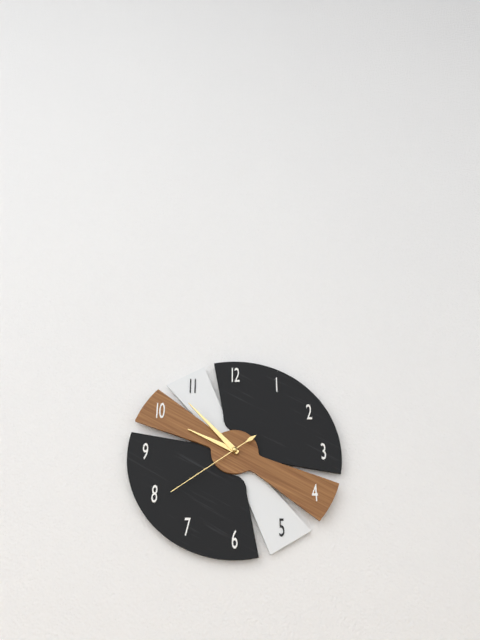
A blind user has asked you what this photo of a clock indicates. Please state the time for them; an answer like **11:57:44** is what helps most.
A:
**9:53:39**
